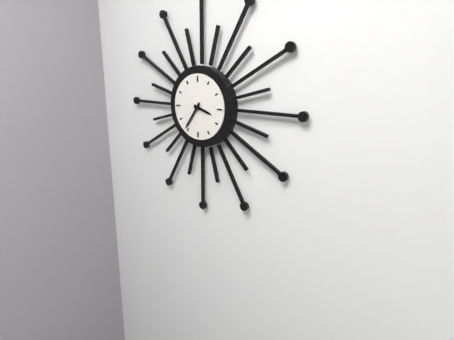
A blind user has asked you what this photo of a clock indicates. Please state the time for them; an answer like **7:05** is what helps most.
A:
**3:36**
